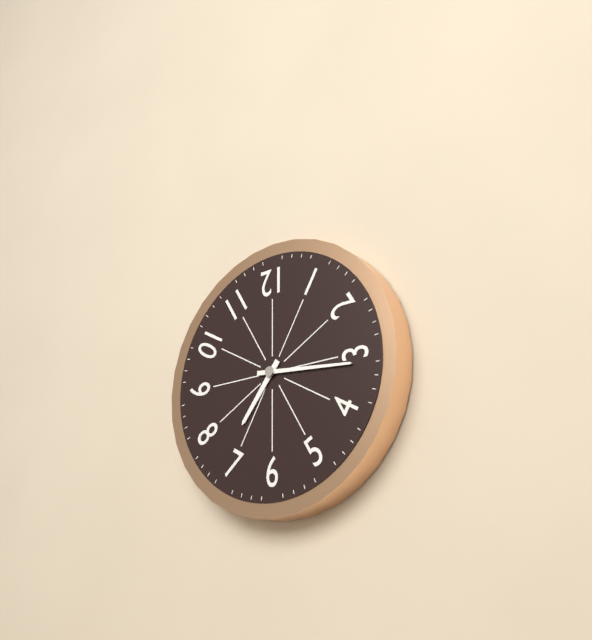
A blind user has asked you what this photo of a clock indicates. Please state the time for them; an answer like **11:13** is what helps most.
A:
**7:16**
